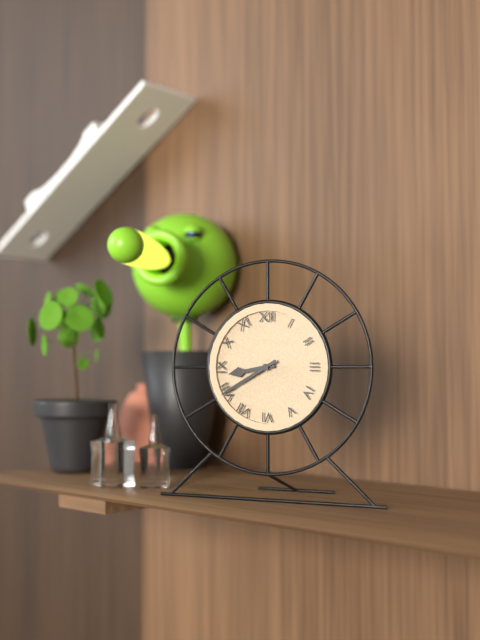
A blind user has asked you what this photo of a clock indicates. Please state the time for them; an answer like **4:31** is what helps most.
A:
**8:40**
